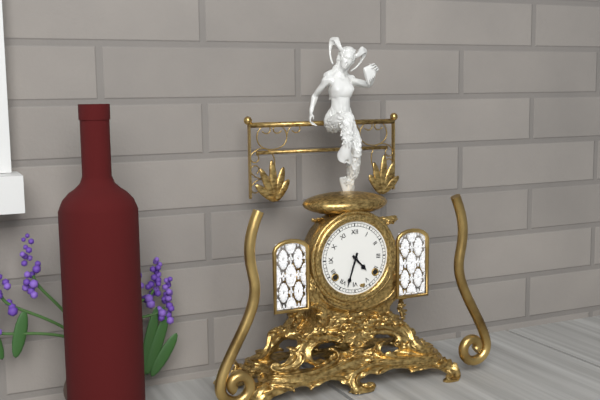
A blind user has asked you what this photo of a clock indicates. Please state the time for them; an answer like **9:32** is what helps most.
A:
**4:33**
